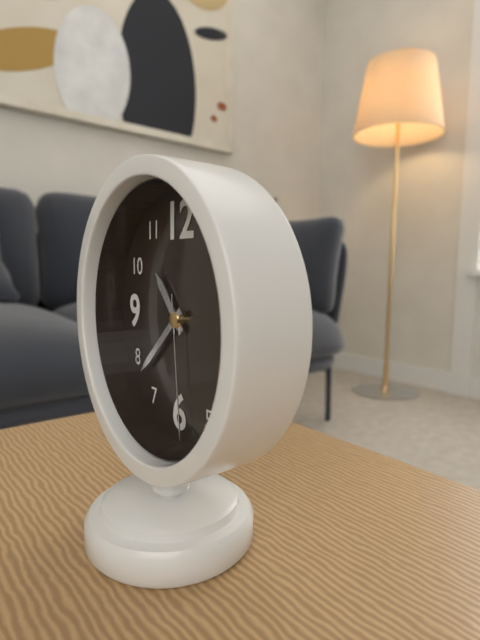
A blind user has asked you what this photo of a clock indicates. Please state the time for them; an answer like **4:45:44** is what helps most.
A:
**10:38:29**
